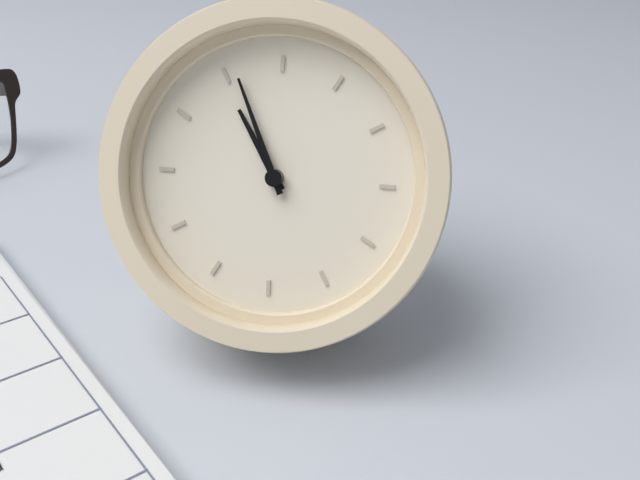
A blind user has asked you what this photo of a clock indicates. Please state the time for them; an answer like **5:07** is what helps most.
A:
**10:56**
